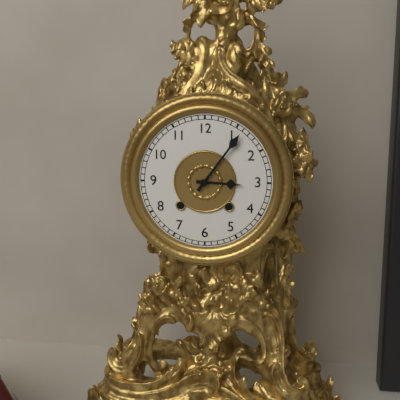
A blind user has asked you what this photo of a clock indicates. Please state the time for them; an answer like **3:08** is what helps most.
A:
**3:06**
